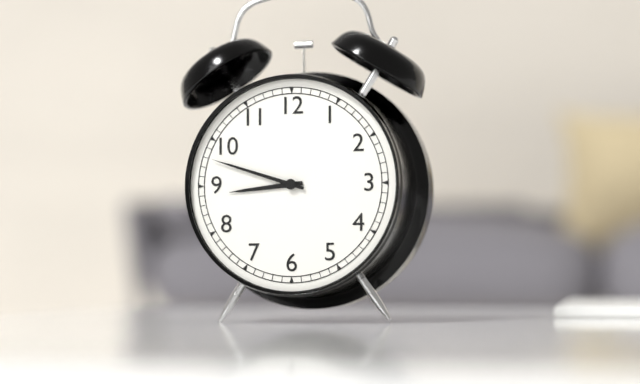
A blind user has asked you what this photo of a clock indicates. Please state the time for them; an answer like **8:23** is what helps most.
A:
**8:48**
